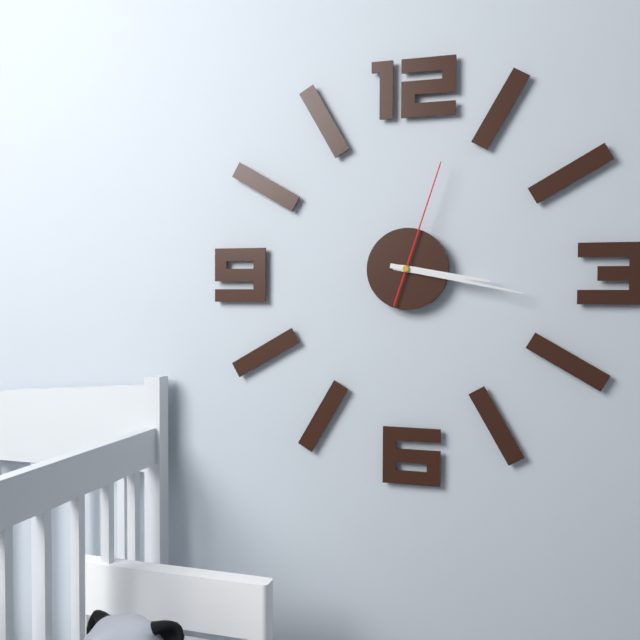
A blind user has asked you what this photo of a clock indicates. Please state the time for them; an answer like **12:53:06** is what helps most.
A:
**3:17:03**
